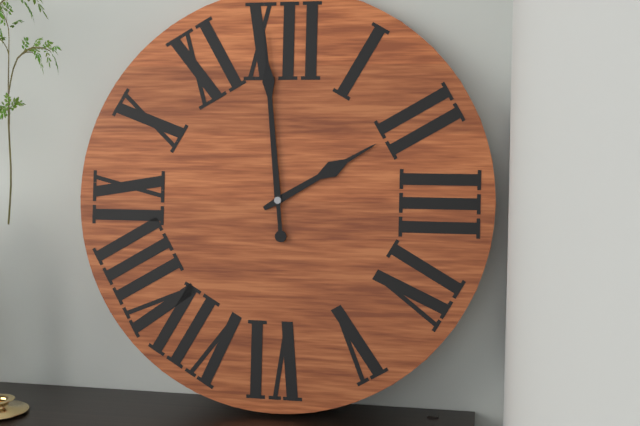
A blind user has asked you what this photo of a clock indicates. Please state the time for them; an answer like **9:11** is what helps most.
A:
**1:59**
